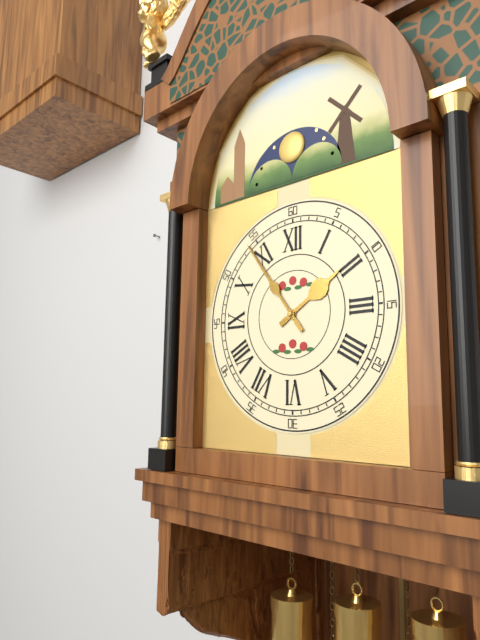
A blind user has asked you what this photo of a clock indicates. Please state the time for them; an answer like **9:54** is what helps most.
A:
**1:54**
